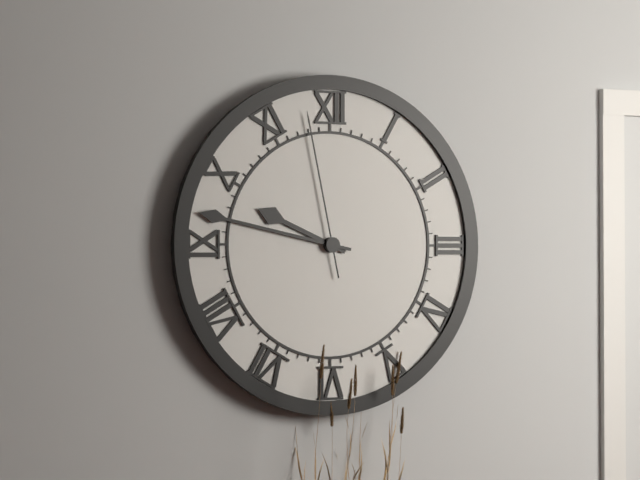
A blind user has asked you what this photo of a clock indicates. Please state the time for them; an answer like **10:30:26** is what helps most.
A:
**9:47:58**
